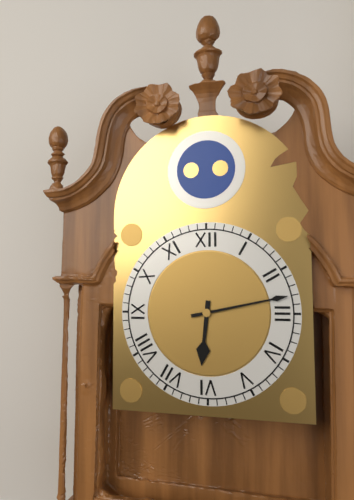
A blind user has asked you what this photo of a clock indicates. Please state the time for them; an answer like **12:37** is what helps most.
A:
**6:13**
